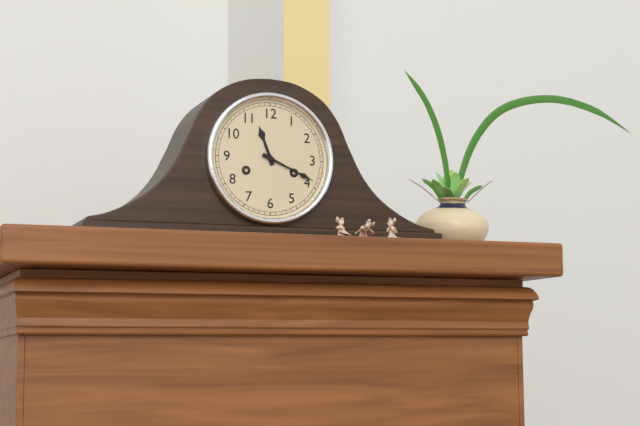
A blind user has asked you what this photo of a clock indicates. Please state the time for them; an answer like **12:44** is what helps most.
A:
**11:19**
